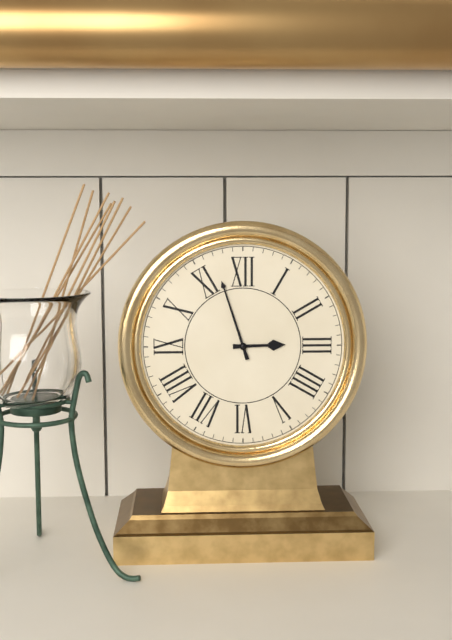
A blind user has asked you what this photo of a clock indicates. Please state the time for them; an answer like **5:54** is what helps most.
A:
**2:57**
